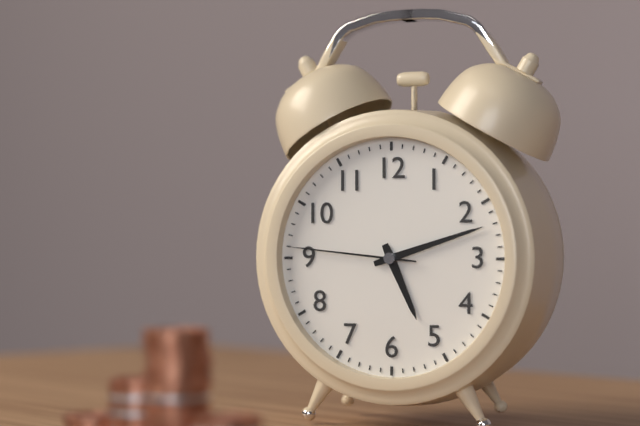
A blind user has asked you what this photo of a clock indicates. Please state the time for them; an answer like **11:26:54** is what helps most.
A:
**5:12:46**
